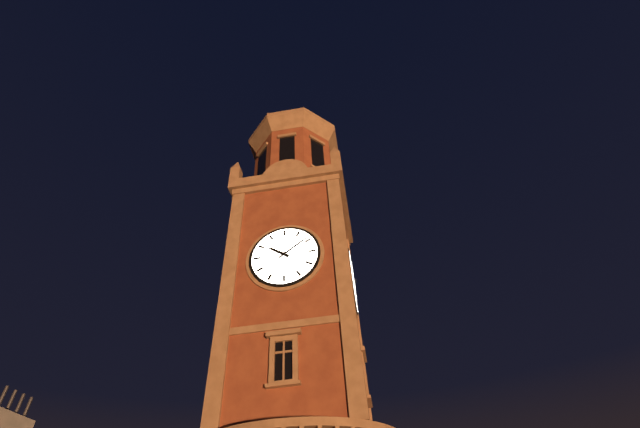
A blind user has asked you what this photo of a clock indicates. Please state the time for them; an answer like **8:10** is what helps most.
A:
**10:09**
